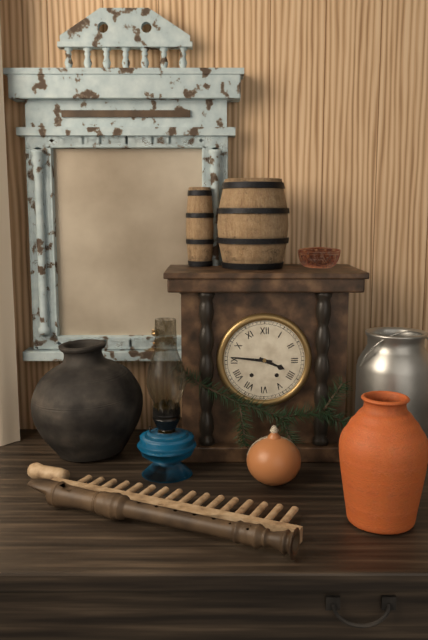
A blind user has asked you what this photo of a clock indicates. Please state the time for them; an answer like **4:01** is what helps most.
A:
**3:46**
